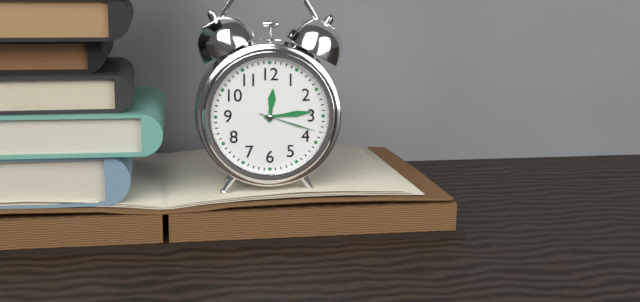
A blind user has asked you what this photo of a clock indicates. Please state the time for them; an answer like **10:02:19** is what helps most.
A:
**12:14:18**
